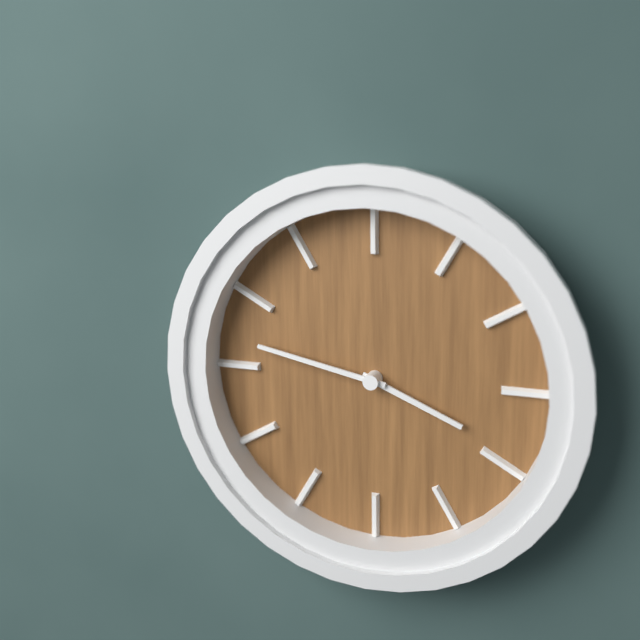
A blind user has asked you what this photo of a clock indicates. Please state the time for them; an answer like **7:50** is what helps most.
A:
**3:47**
